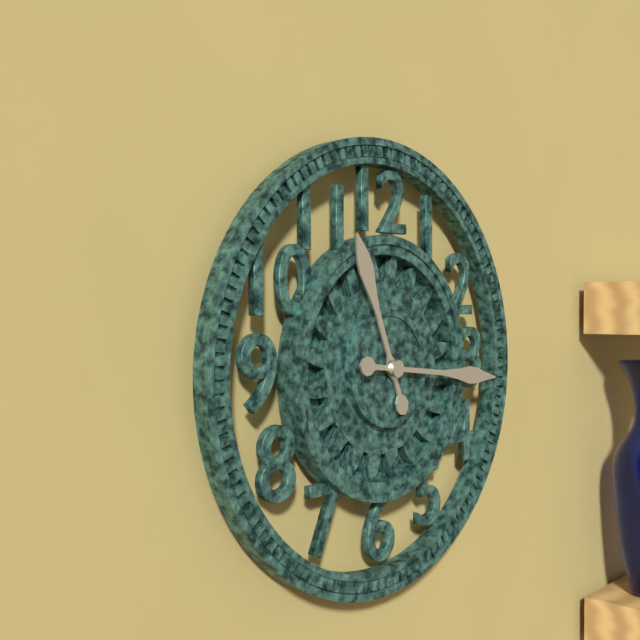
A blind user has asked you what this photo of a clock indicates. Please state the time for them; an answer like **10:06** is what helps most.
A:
**11:16**
